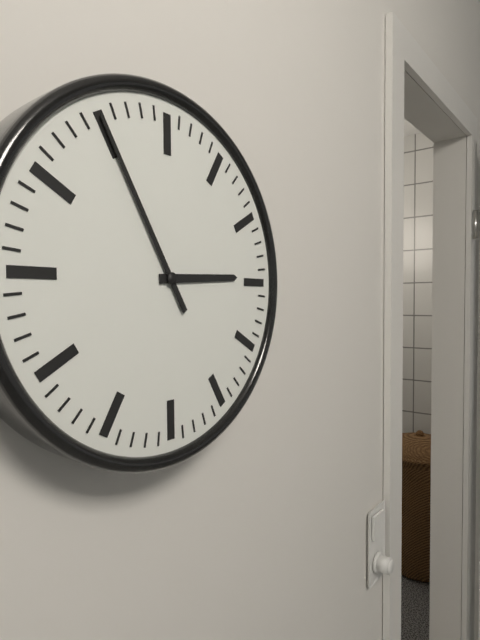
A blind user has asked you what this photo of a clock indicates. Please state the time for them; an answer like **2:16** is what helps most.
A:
**2:55**
